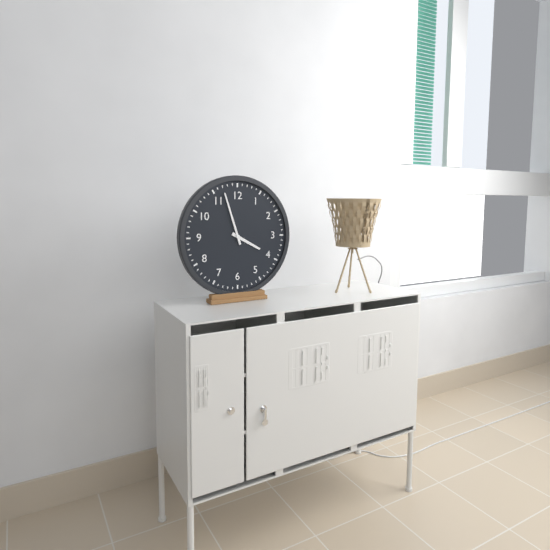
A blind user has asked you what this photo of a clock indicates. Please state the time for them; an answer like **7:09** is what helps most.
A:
**3:57**
